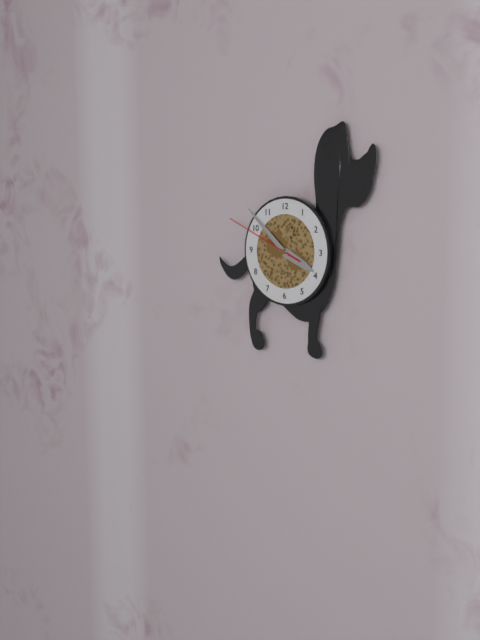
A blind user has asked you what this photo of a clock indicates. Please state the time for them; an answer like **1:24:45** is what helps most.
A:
**3:52:49**
